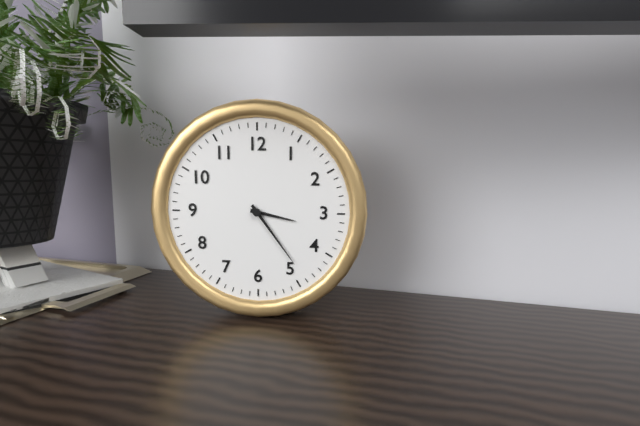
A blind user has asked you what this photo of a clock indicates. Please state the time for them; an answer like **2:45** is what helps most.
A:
**3:24**
